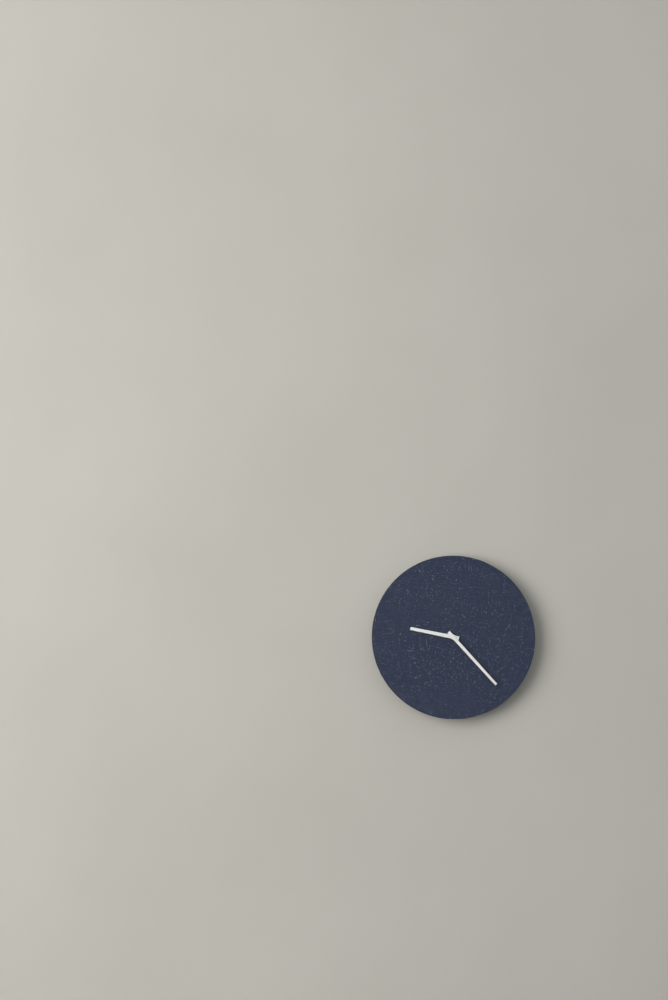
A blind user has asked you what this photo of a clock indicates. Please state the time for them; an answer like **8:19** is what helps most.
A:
**9:23**
